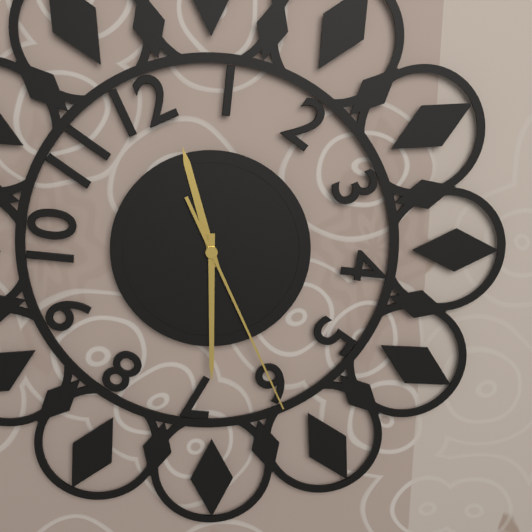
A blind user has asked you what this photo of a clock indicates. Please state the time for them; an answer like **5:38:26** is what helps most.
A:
**11:30:26**
